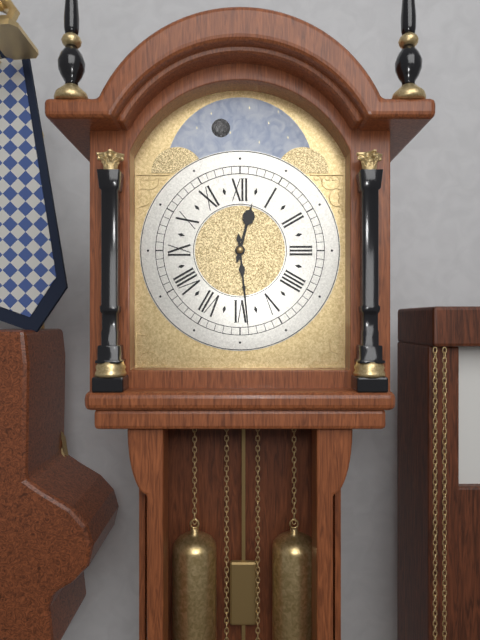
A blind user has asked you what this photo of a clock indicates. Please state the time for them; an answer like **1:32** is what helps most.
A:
**12:29**
